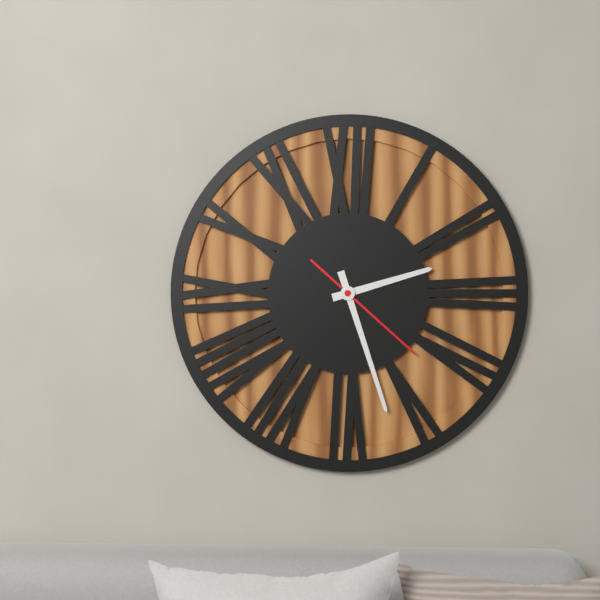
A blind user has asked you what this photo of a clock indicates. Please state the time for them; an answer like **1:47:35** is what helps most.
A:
**2:27:22**
